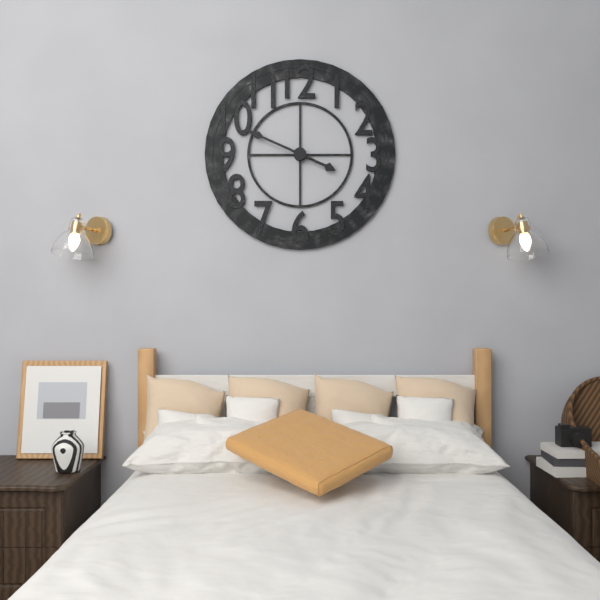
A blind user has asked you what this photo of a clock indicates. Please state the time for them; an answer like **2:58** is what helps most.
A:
**3:49**
